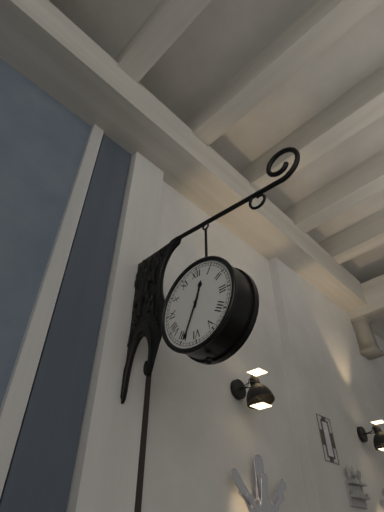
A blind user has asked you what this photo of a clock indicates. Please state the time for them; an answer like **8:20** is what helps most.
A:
**12:34**
